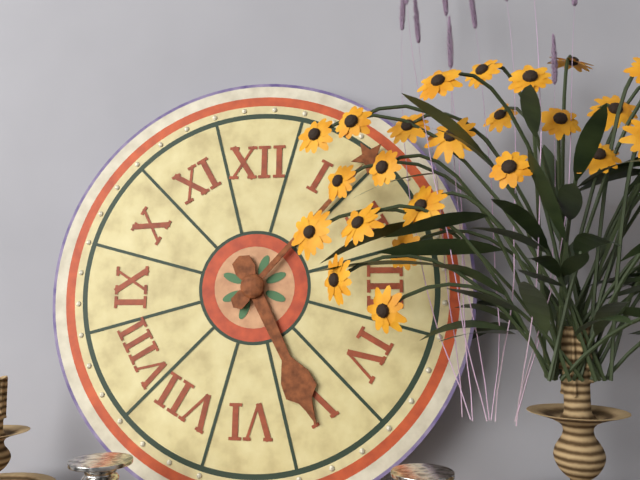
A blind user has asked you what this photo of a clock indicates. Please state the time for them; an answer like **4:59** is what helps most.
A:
**5:07**
